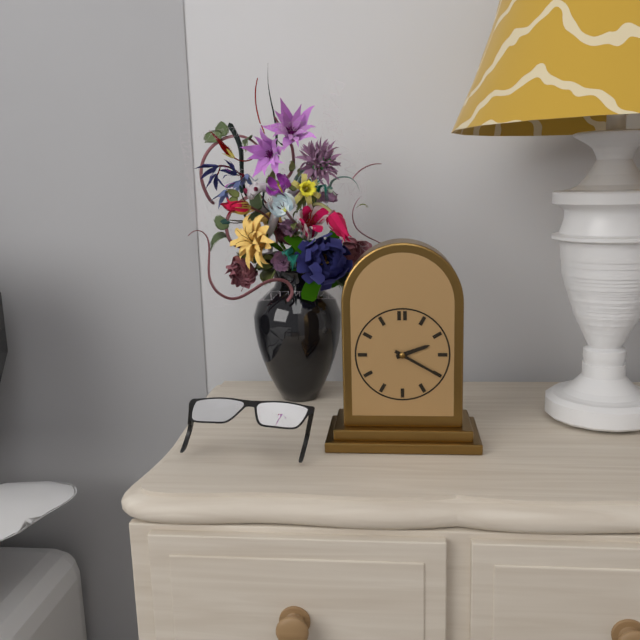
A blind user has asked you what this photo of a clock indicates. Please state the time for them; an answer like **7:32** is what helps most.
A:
**2:20**
